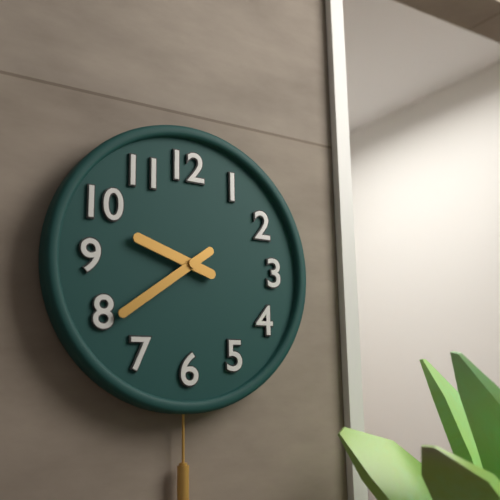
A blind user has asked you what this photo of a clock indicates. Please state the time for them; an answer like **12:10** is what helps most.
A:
**9:39**
